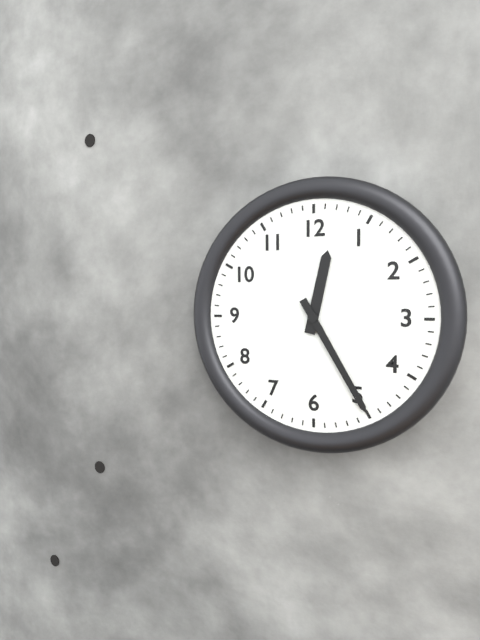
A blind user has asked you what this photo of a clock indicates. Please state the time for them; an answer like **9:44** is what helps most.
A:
**12:25**
